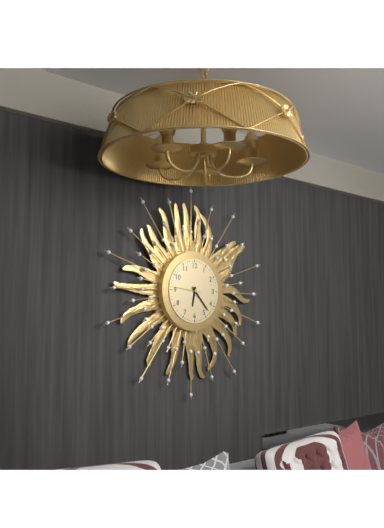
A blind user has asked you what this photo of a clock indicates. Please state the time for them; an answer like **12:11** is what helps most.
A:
**6:23**
